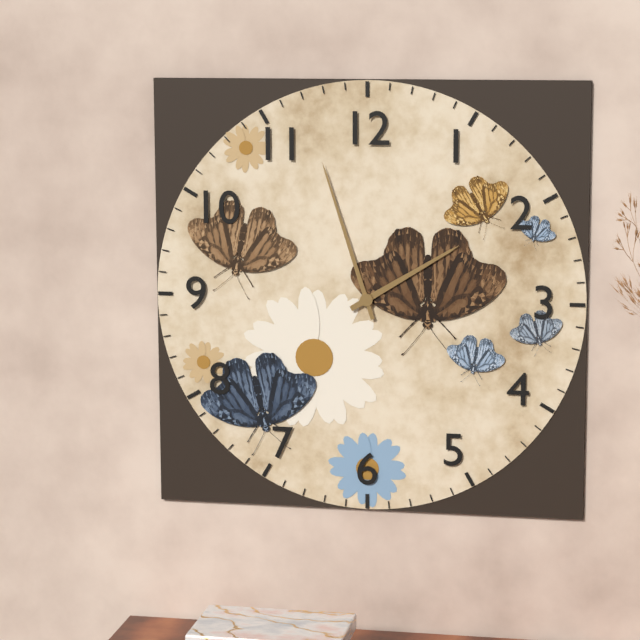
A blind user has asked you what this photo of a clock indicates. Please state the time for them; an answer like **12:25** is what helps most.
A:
**1:57**
